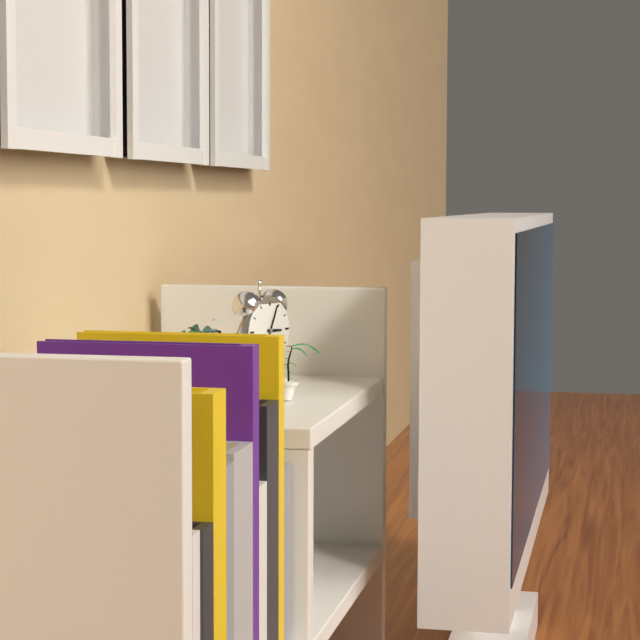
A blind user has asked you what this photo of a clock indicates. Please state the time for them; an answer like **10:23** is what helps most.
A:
**3:04**
